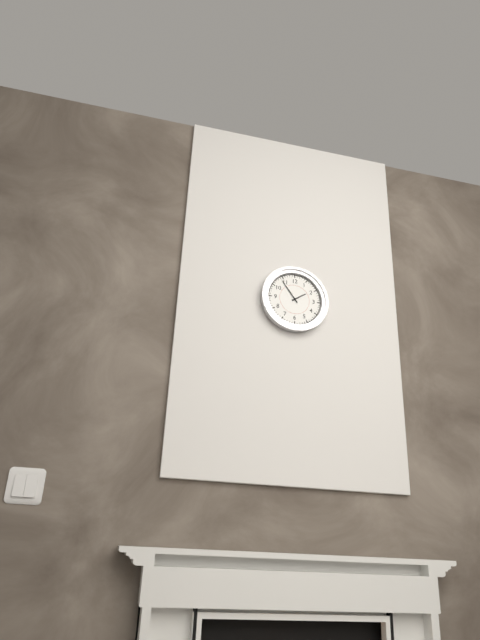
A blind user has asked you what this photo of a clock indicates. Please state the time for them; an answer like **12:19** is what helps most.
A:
**1:54**
